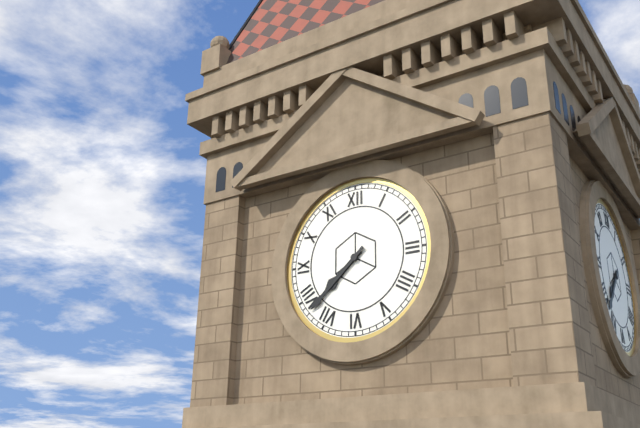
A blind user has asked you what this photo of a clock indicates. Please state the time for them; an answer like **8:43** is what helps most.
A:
**7:38**
